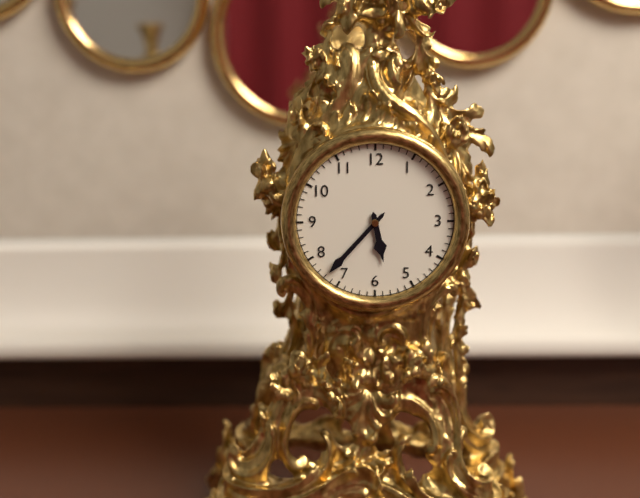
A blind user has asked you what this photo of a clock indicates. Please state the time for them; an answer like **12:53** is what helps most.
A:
**5:37**
